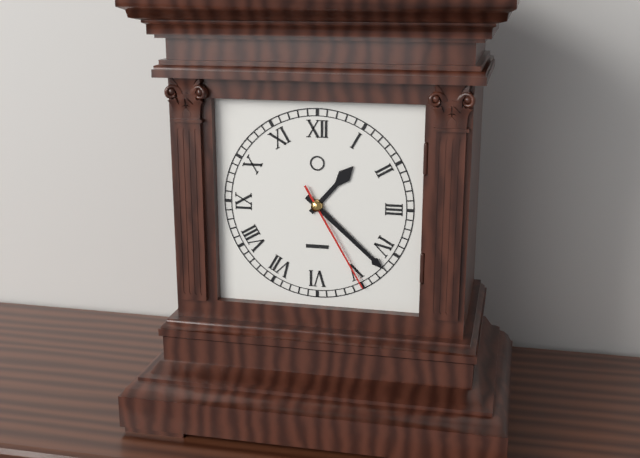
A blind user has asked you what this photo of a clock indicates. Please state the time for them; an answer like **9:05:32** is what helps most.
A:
**1:22:25**
